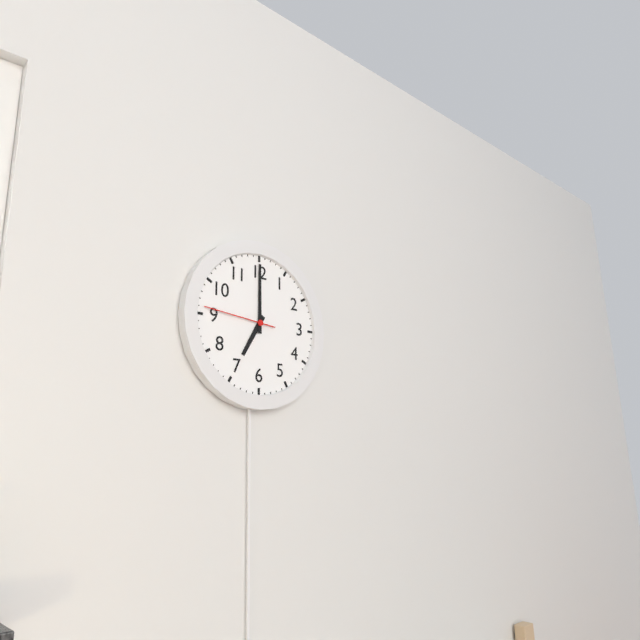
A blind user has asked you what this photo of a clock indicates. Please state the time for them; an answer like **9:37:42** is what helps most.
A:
**7:00:46**
